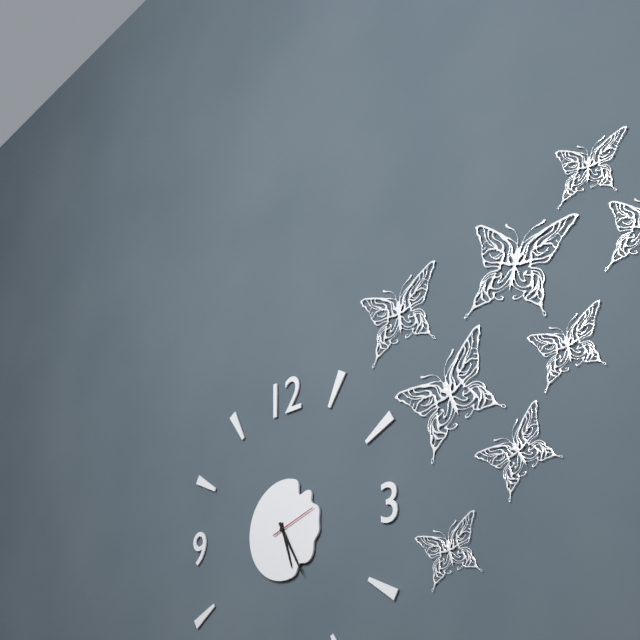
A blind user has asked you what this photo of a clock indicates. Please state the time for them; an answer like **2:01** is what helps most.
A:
**5:25**
